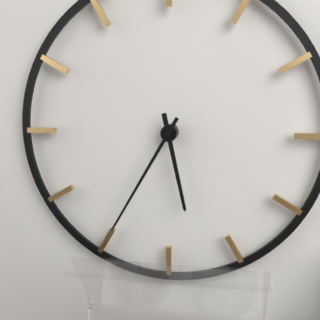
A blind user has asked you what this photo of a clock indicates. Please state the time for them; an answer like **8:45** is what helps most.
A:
**5:35**
